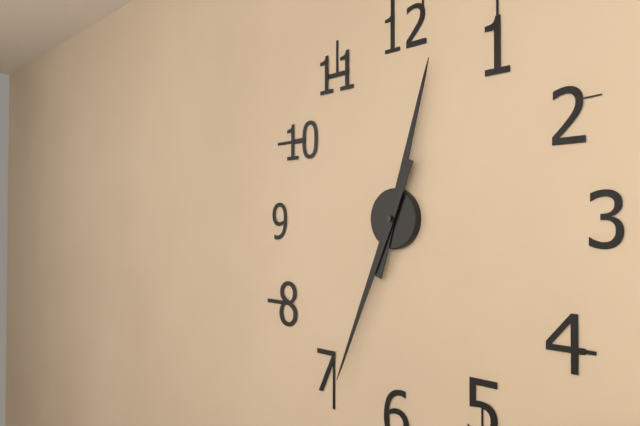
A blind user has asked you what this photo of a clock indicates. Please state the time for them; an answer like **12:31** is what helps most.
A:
**12:34**
